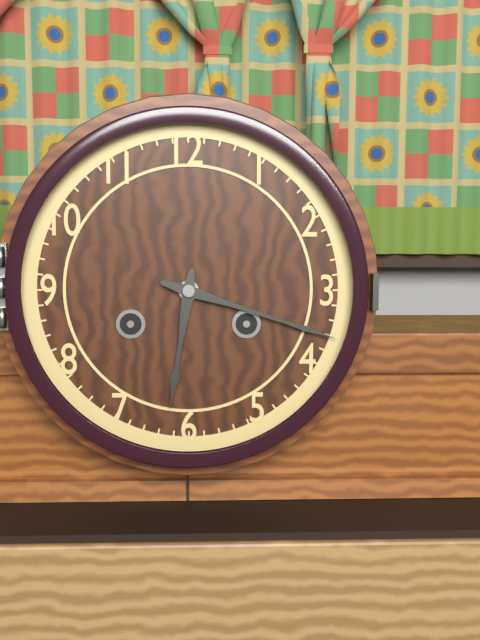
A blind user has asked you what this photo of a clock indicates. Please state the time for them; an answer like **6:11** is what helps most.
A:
**6:18**
